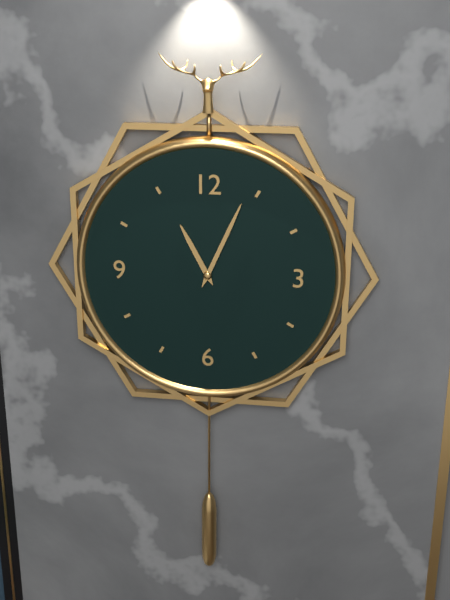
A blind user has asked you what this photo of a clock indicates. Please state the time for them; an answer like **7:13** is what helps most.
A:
**11:04**
